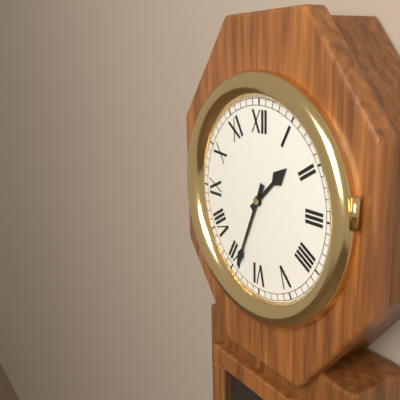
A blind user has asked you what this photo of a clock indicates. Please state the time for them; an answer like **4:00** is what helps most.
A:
**1:34**
